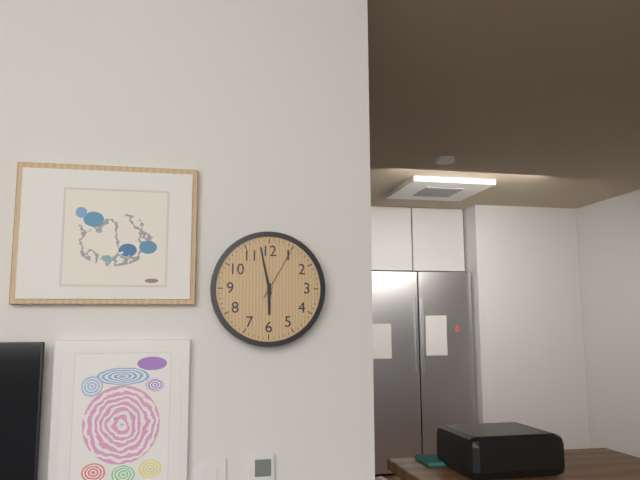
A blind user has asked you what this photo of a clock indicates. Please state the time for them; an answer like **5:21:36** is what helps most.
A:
**5:58:05**
